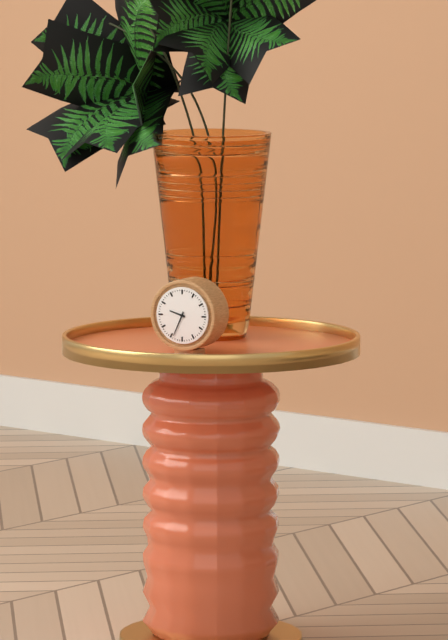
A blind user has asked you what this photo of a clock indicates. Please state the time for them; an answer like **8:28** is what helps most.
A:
**9:34**
